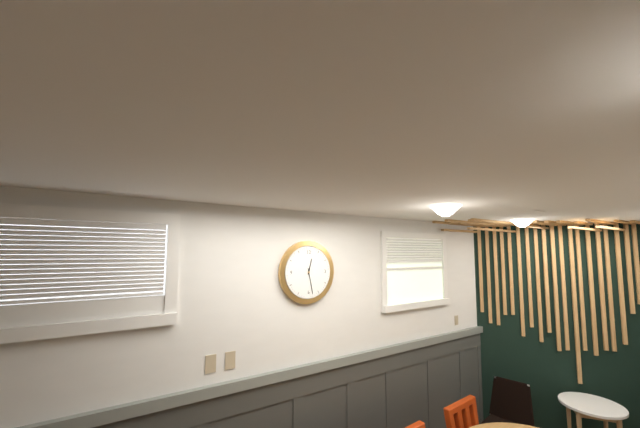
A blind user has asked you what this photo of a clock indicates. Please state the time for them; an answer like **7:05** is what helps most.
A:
**12:28**
